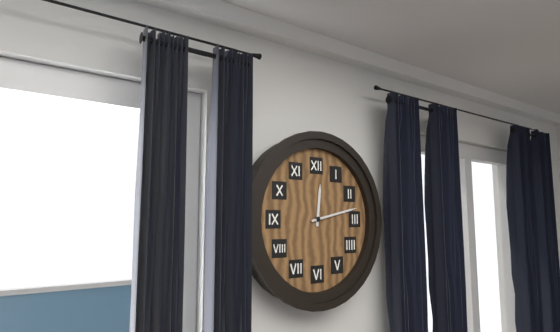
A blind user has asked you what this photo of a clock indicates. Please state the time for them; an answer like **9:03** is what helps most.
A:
**12:13**
